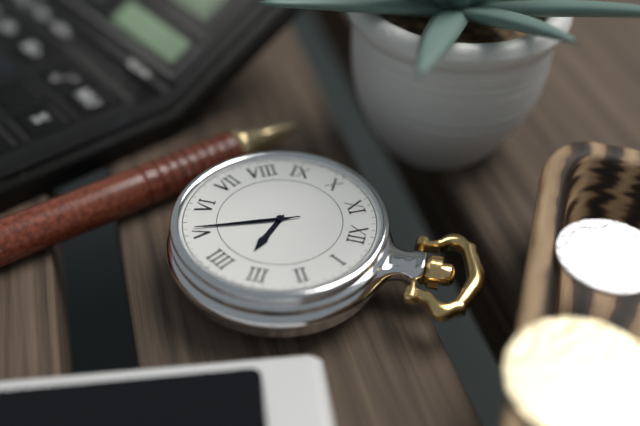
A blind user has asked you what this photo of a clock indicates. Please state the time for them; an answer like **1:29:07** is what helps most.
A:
**3:26:26**
